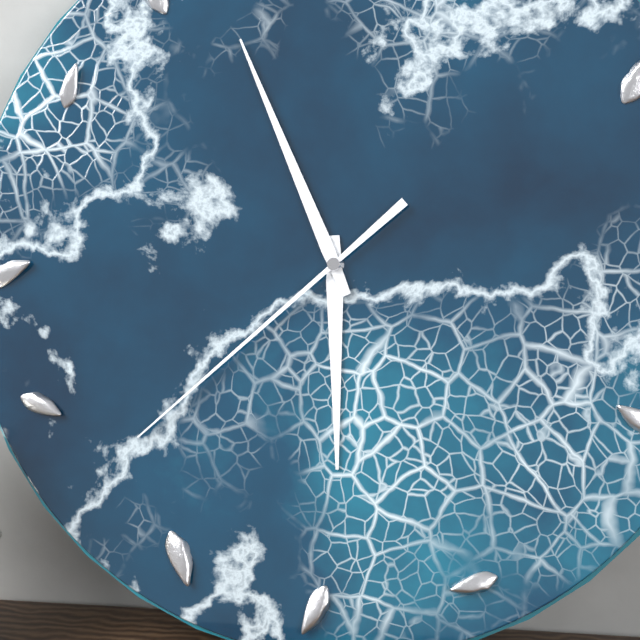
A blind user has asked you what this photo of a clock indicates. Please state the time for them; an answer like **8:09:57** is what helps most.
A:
**5:56:38**
